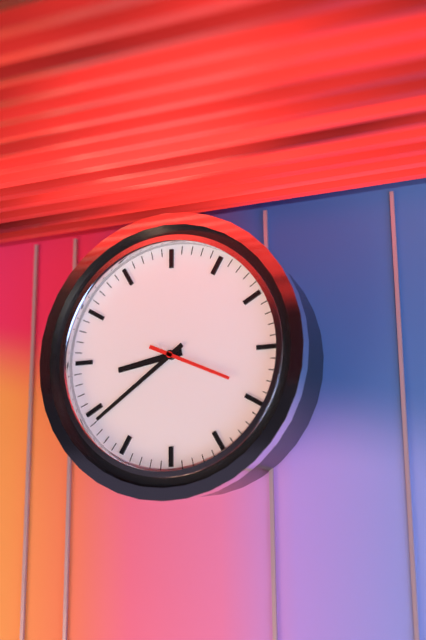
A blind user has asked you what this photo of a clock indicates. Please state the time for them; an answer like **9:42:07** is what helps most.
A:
**8:39:19**
